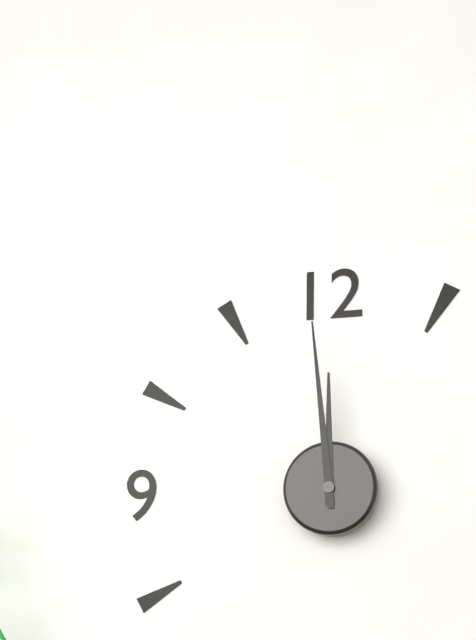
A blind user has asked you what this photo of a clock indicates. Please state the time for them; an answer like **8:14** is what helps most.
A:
**11:59**
